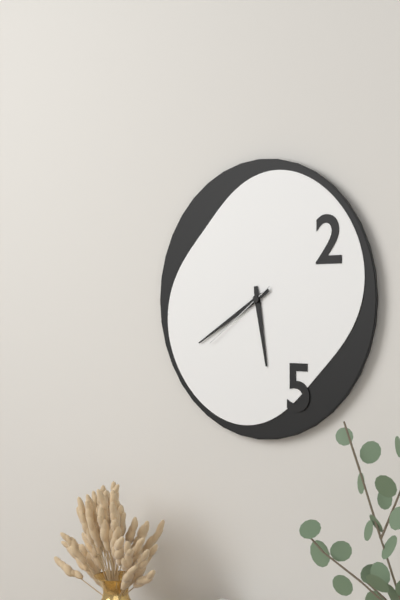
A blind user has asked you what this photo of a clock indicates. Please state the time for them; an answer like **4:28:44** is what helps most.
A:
**5:40:39**
